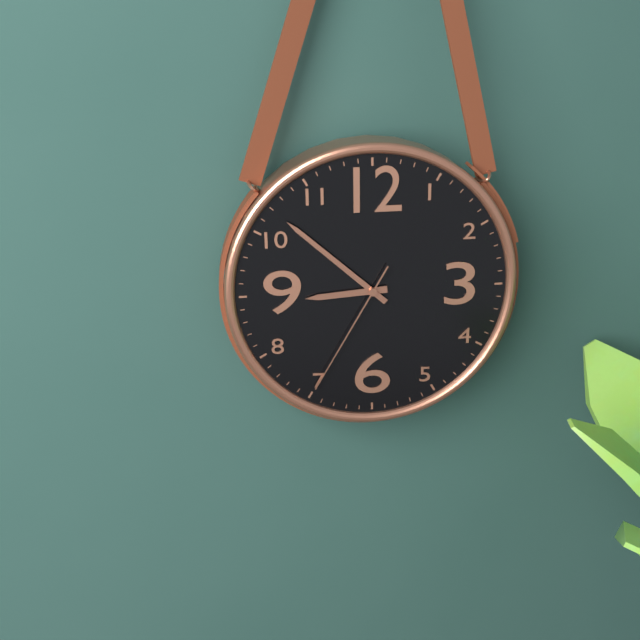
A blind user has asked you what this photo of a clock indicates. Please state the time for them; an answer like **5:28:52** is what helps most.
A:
**8:52:35**
